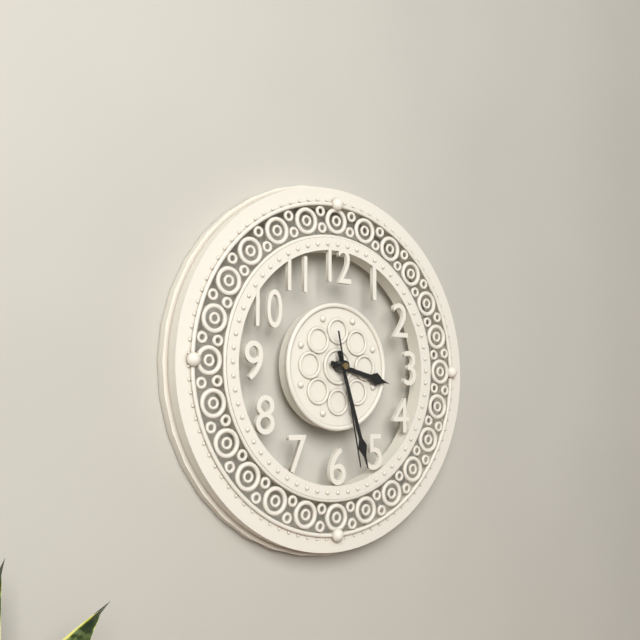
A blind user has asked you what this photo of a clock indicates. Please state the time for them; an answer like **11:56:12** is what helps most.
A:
**3:27:28**
